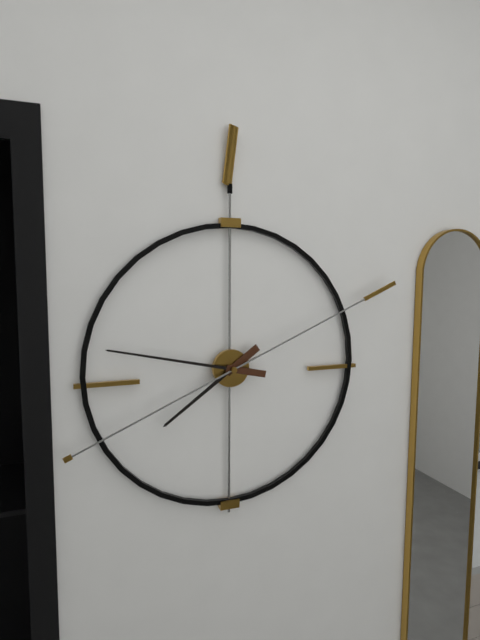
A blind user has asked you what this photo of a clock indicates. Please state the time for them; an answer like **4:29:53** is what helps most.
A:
**7:47:11**
